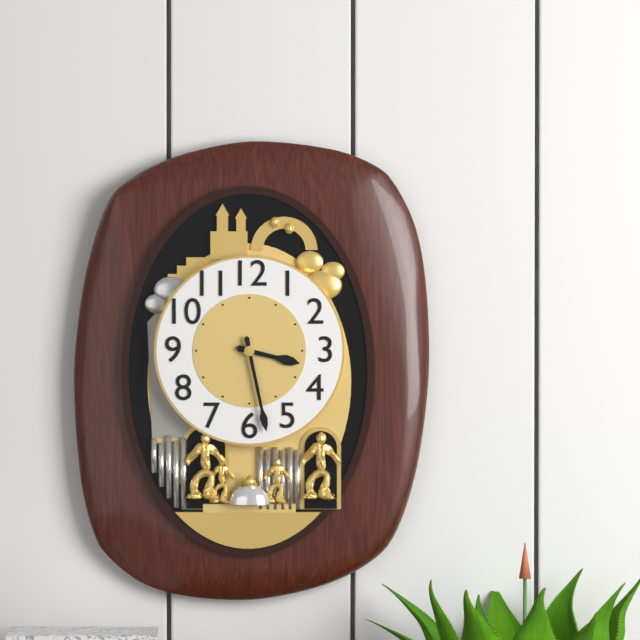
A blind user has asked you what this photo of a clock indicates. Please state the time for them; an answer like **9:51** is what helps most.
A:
**3:28**
